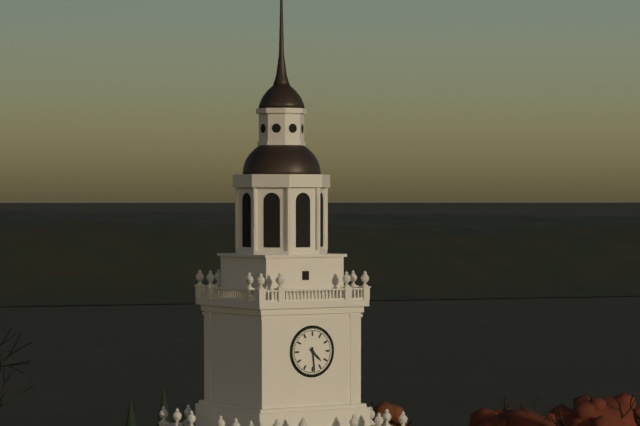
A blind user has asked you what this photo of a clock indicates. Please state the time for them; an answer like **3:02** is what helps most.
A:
**4:29**
